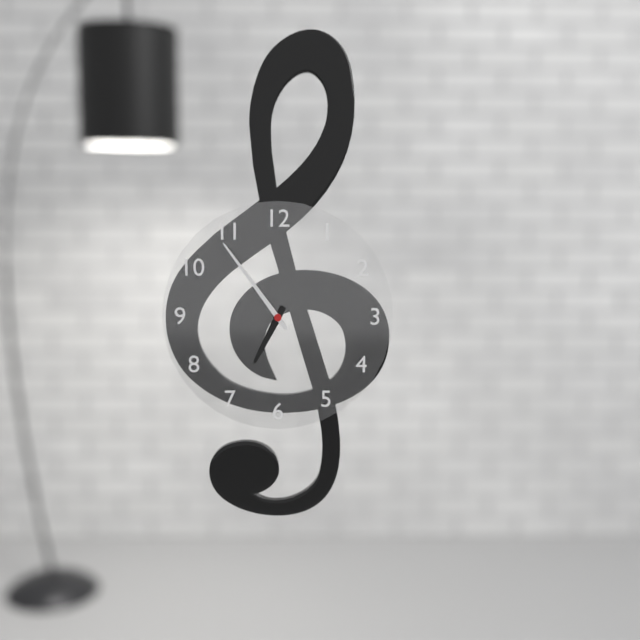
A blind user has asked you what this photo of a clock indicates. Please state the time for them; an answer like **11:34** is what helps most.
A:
**6:54**
